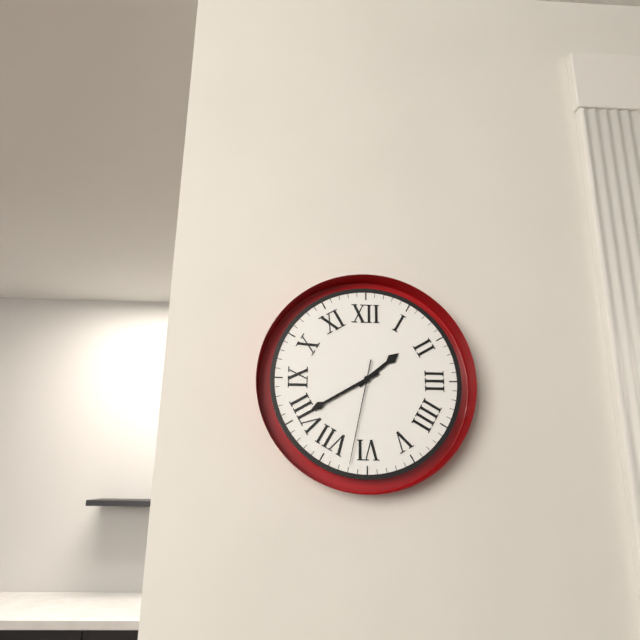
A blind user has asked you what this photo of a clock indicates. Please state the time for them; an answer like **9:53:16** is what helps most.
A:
**1:40:32**
